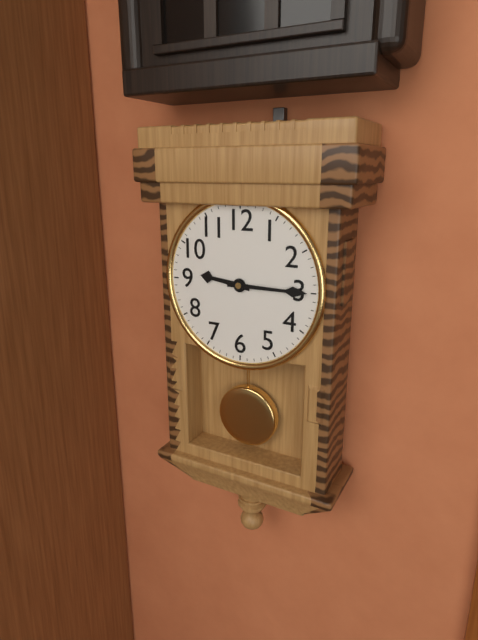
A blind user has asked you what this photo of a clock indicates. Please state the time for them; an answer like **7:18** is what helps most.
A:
**9:15**
